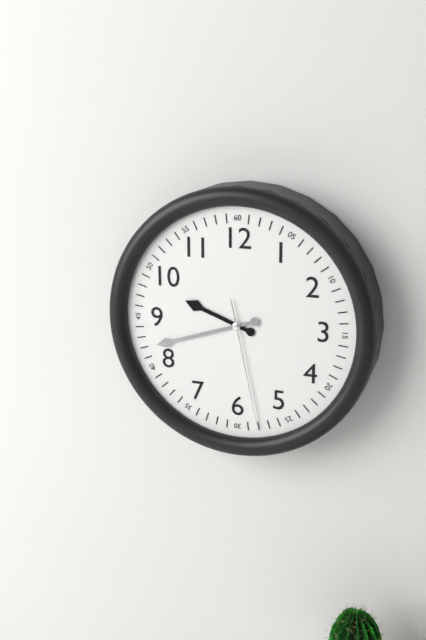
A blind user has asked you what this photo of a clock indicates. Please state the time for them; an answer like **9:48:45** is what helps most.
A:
**9:42:28**
